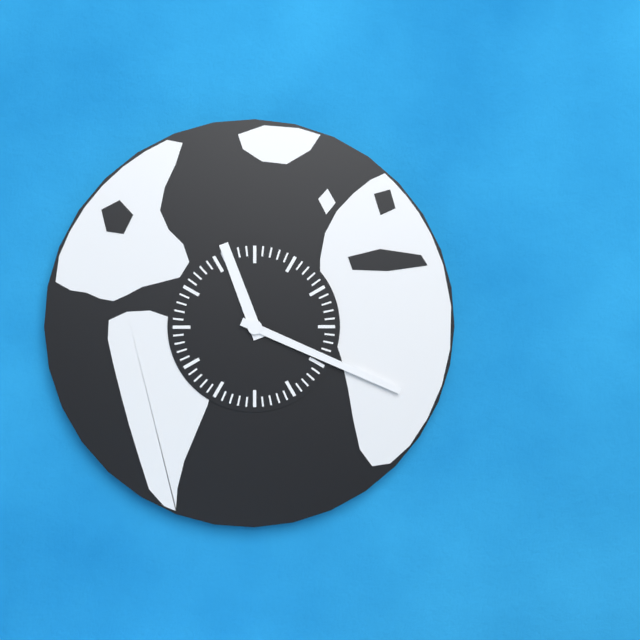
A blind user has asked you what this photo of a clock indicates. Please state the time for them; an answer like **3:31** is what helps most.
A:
**11:19**
